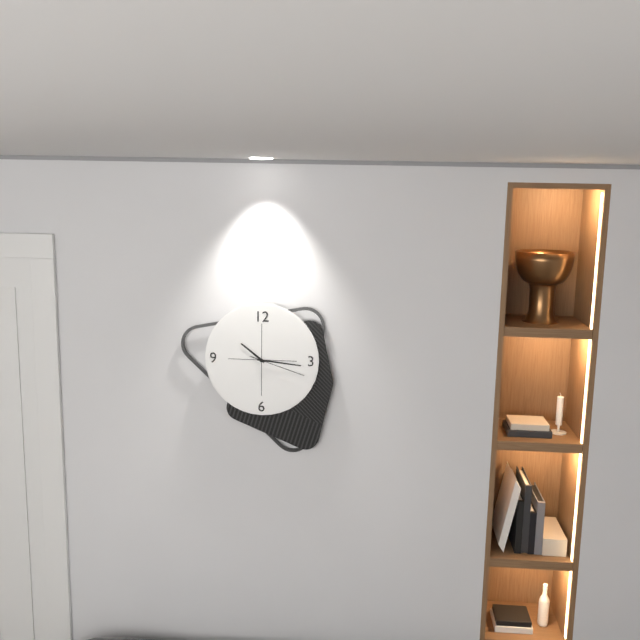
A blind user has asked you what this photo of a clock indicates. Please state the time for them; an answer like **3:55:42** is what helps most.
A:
**10:16:18**
